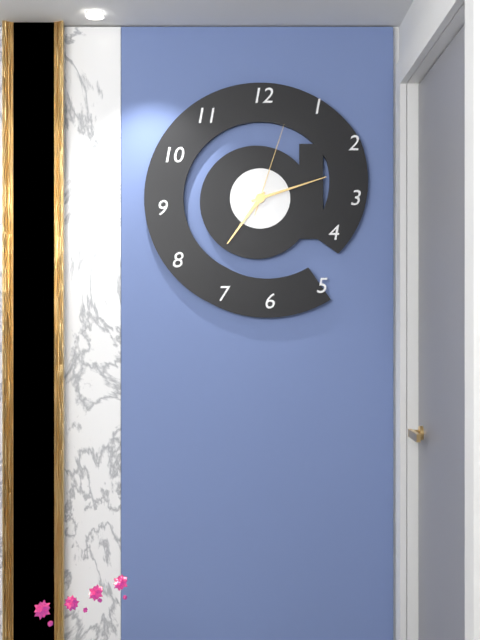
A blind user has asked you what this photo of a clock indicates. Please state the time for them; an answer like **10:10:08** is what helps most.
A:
**7:12:03**
